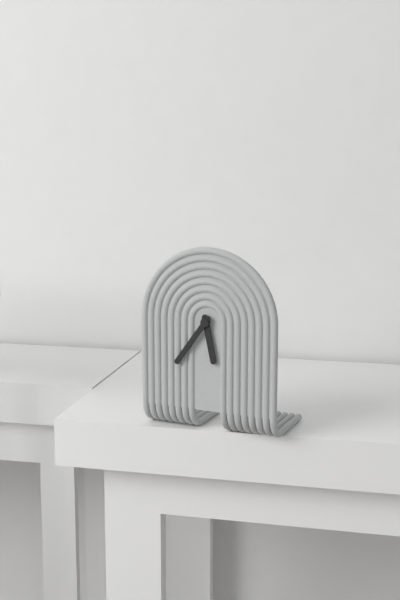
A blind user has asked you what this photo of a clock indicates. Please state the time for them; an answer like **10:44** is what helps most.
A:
**5:36**
